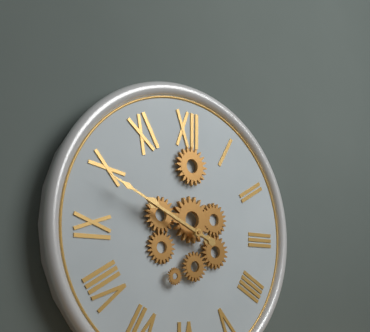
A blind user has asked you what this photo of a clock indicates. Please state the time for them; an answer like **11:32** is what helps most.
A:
**9:49**
